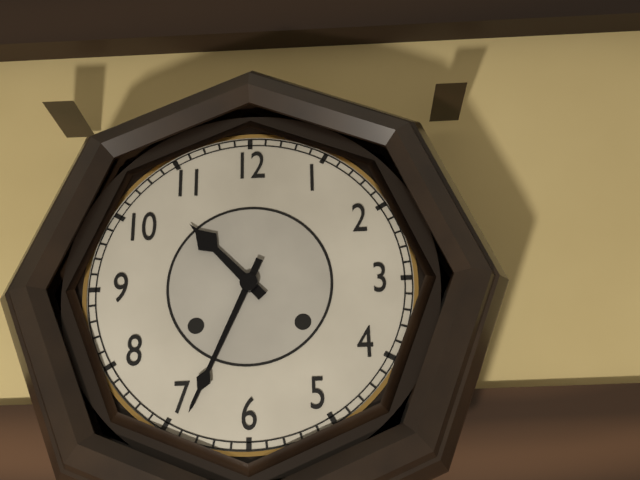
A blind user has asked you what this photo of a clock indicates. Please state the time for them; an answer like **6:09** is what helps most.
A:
**10:34**
